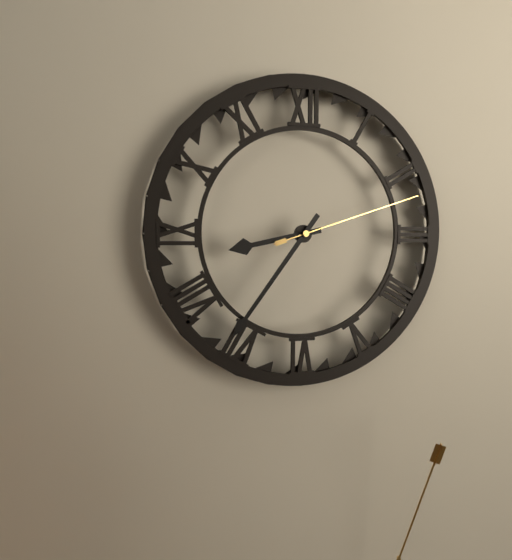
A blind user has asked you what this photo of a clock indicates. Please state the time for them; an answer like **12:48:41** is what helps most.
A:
**8:36:12**
